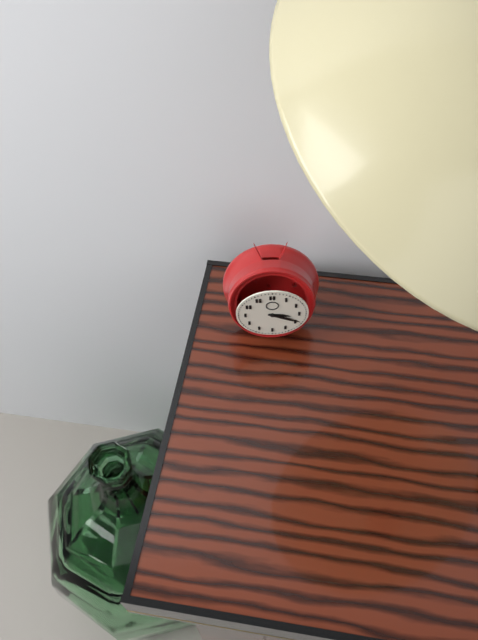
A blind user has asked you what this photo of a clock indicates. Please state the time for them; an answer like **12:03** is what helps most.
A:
**3:19**
